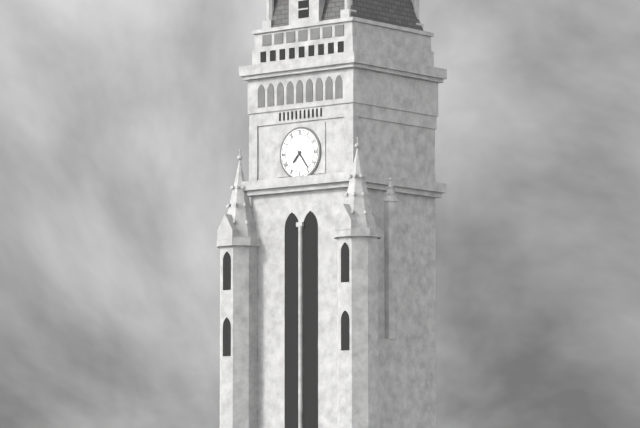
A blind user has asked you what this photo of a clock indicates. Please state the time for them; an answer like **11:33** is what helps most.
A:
**7:24**
